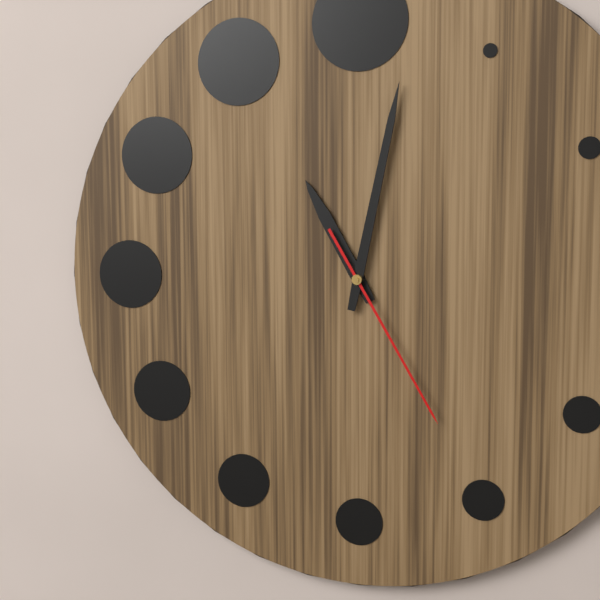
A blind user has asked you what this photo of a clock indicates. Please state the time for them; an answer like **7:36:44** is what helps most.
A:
**11:02:25**
